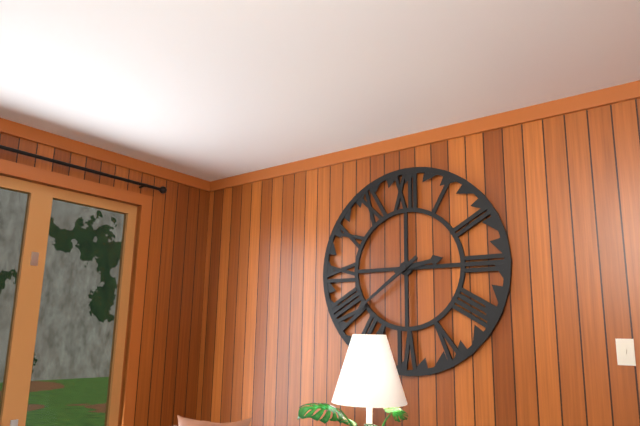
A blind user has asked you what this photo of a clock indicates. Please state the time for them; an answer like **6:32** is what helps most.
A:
**2:39**
